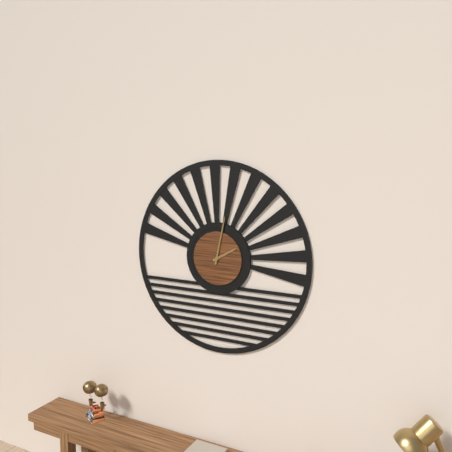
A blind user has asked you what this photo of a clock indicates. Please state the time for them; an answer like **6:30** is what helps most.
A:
**2:02**
